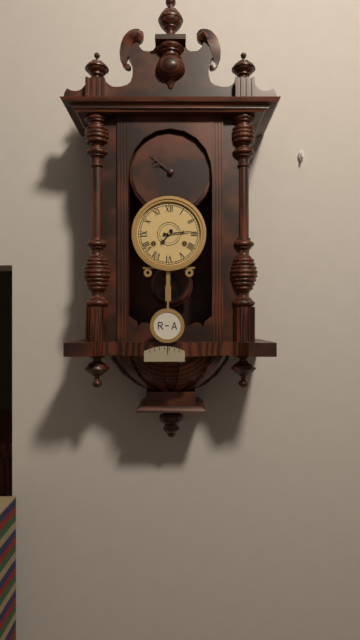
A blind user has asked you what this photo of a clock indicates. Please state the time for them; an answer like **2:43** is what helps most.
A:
**7:14**
